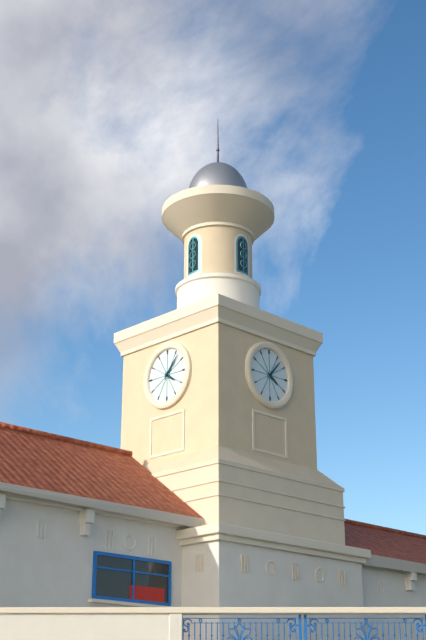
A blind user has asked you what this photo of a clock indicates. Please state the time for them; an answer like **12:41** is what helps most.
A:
**4:07**
